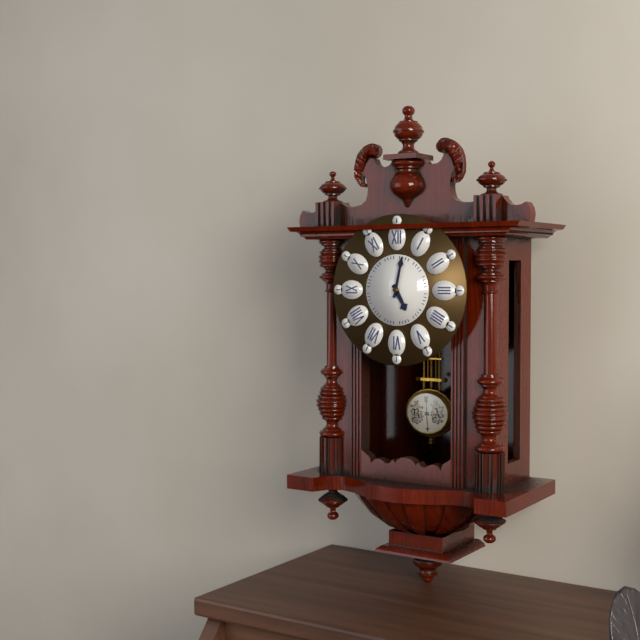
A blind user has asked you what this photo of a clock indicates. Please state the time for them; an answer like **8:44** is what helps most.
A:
**5:02**
